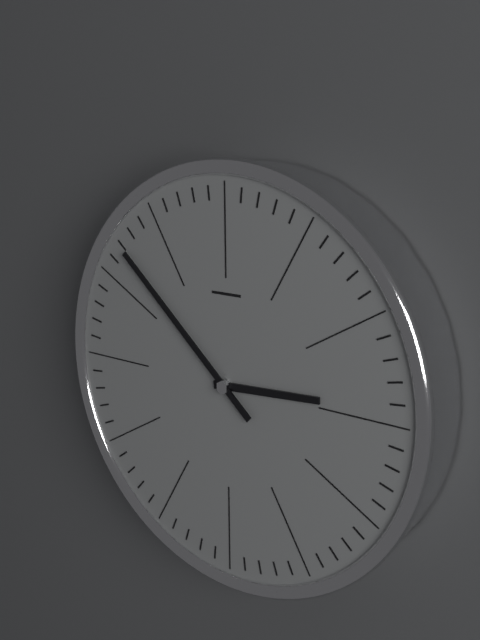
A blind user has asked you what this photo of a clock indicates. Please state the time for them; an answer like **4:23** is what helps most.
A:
**2:52**
